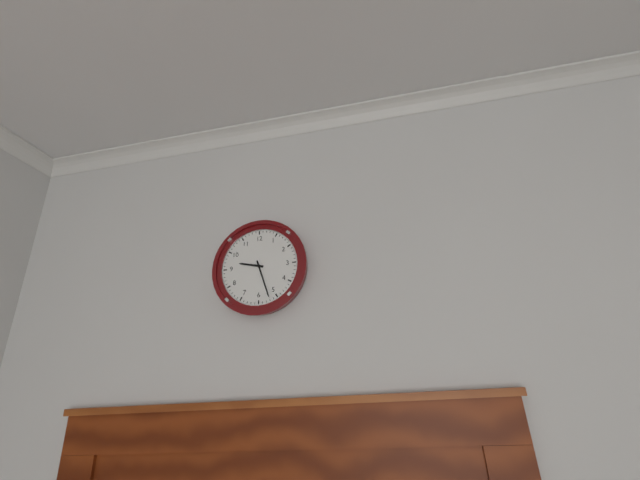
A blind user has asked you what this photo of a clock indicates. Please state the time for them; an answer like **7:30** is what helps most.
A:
**9:27**
